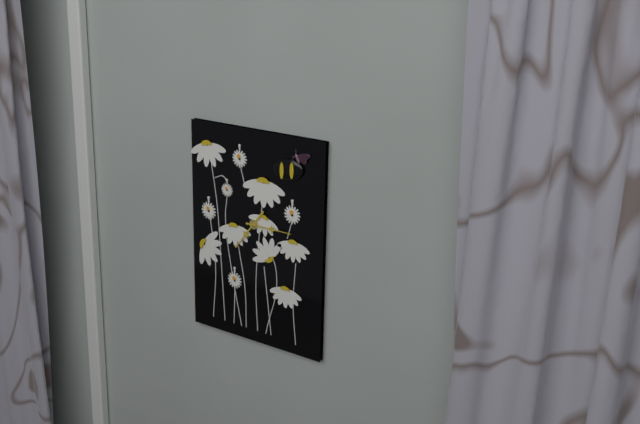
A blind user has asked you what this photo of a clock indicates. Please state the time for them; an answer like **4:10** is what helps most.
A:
**7:15**
